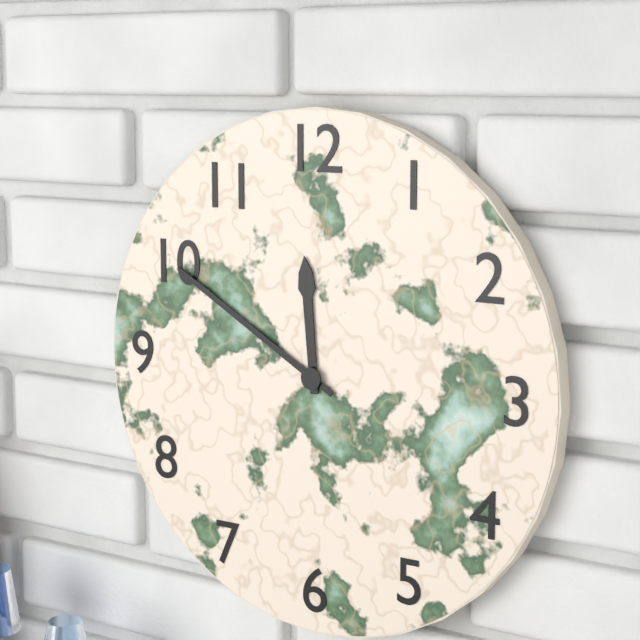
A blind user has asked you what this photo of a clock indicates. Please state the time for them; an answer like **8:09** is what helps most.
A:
**11:50**
